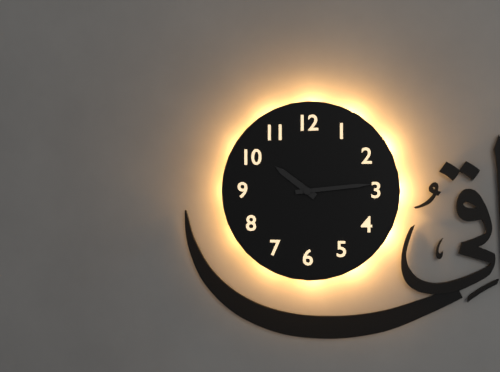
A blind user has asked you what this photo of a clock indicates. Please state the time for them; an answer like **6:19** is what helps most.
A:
**10:14**
